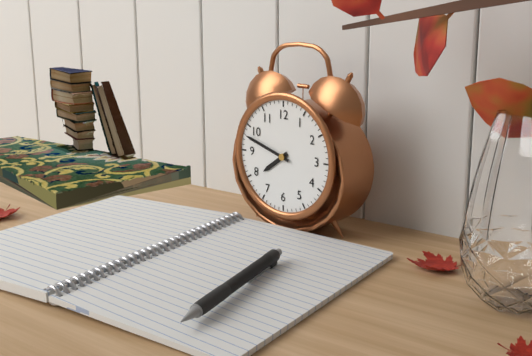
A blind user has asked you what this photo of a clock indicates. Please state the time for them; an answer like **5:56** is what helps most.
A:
**7:48**
